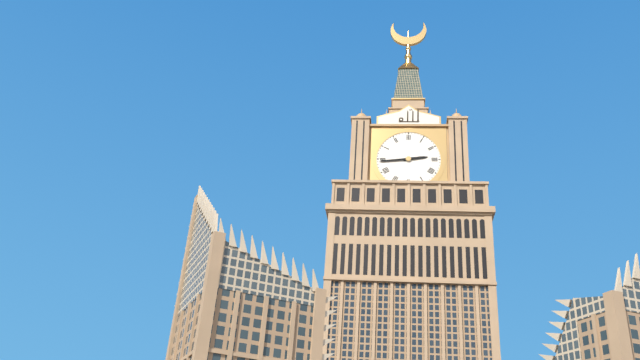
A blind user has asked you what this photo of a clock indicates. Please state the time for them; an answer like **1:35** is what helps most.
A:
**2:44**
